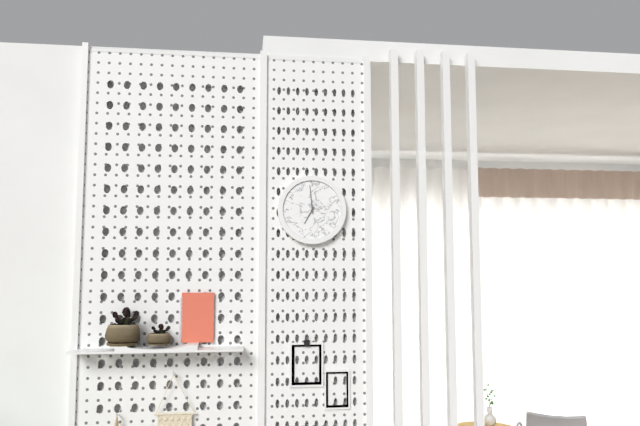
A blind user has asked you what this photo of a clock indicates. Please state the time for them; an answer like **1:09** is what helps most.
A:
**6:59**
